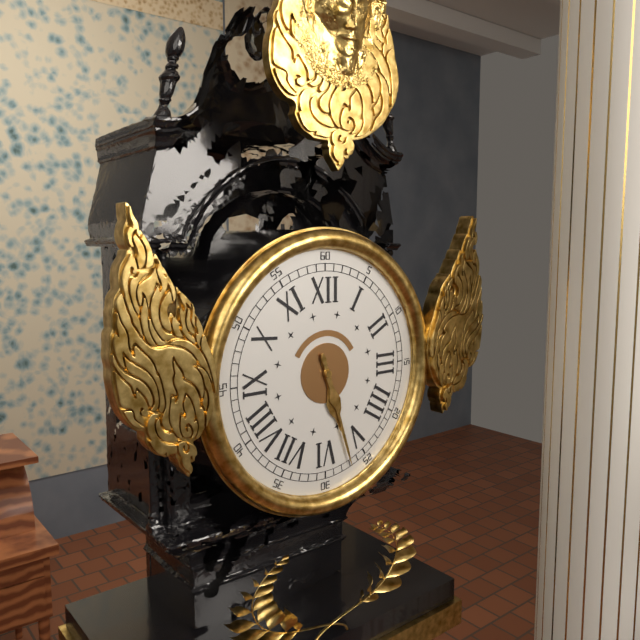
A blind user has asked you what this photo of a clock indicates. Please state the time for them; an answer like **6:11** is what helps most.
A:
**5:27**
